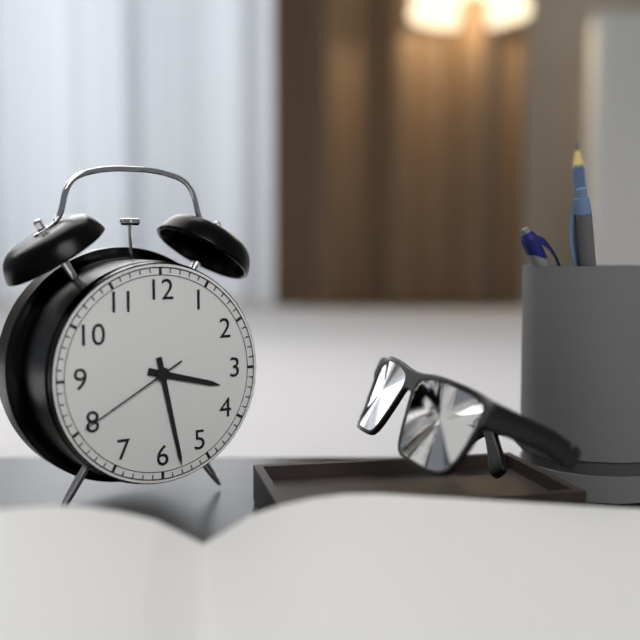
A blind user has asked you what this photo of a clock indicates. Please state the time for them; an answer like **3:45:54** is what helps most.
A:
**3:28:40**
